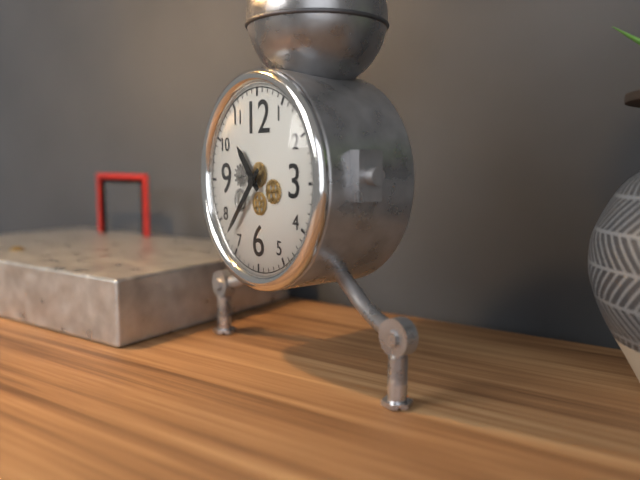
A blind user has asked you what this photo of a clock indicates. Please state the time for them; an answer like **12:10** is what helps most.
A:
**10:37**
